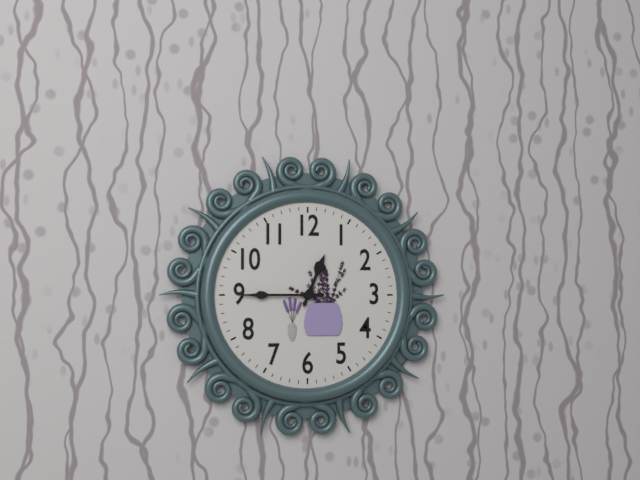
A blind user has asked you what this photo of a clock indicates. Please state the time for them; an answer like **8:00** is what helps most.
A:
**12:45**
